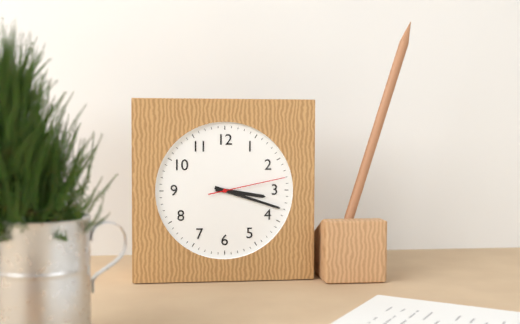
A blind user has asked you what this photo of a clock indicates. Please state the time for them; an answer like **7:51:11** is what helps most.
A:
**3:18:13**
